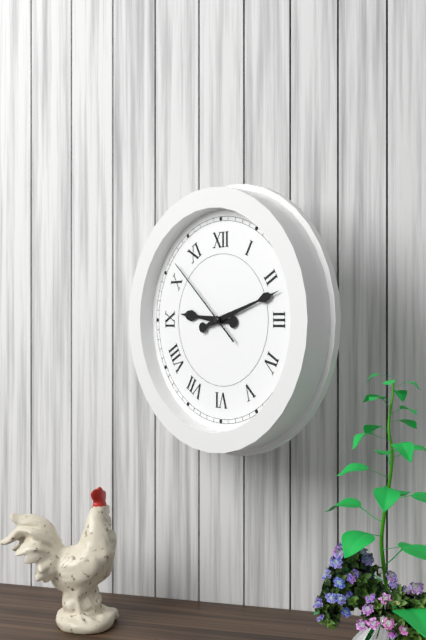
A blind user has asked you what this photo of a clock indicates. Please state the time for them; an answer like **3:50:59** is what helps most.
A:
**9:12:52**
